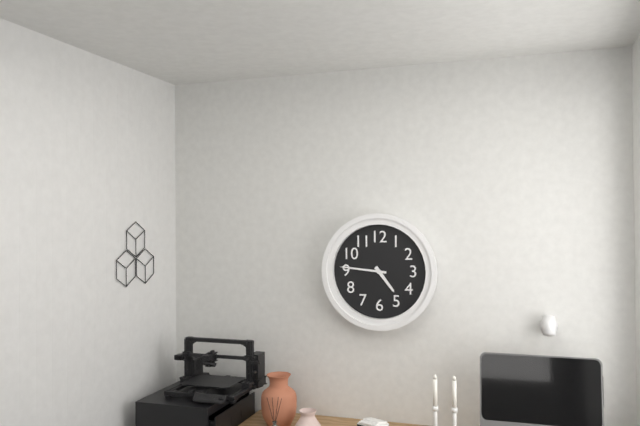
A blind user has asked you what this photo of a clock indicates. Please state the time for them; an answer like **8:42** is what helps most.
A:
**4:46**
